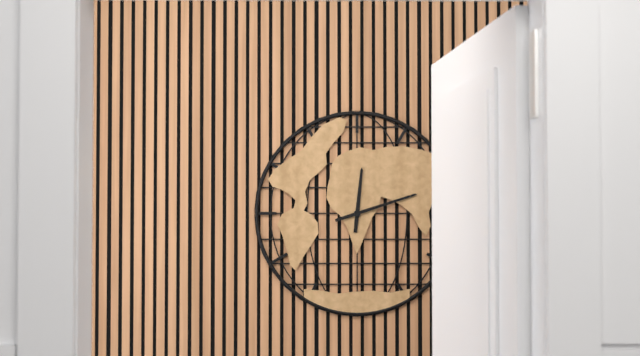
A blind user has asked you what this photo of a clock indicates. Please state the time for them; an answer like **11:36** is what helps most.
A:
**12:12**
